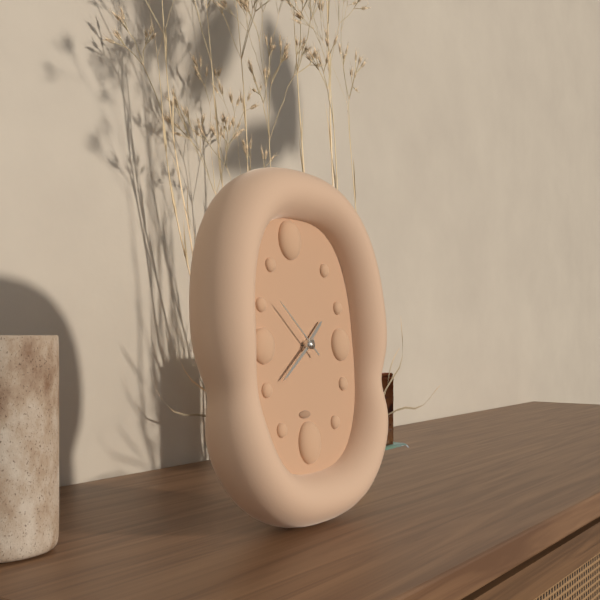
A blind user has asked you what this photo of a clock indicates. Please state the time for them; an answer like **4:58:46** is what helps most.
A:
**1:39:52**
